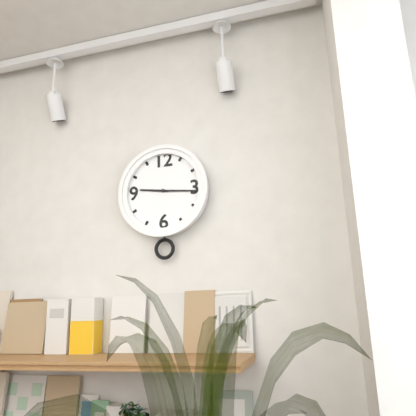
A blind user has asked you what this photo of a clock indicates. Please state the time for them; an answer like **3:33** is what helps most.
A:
**9:16**
